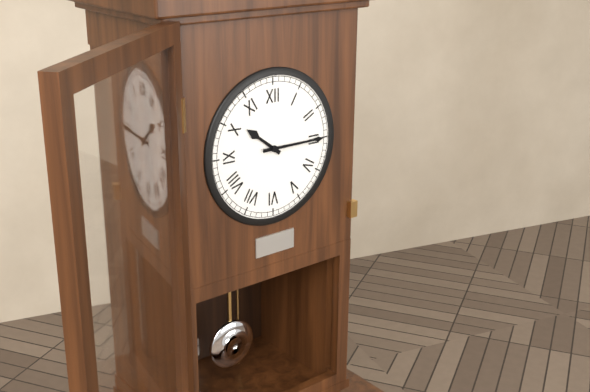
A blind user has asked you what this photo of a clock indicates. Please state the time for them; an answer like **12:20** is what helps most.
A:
**10:15**
